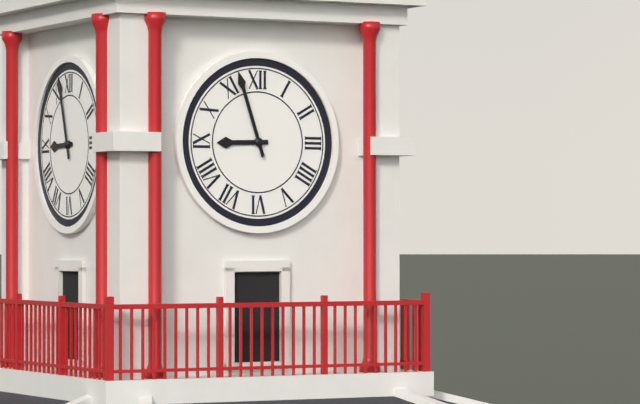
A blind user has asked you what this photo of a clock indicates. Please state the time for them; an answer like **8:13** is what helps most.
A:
**8:57**
